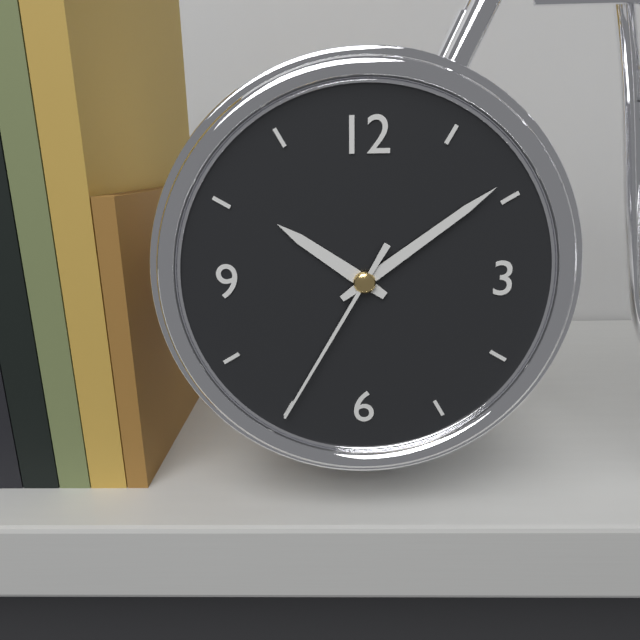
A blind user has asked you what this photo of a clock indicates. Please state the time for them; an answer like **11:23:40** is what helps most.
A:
**10:09:35**
